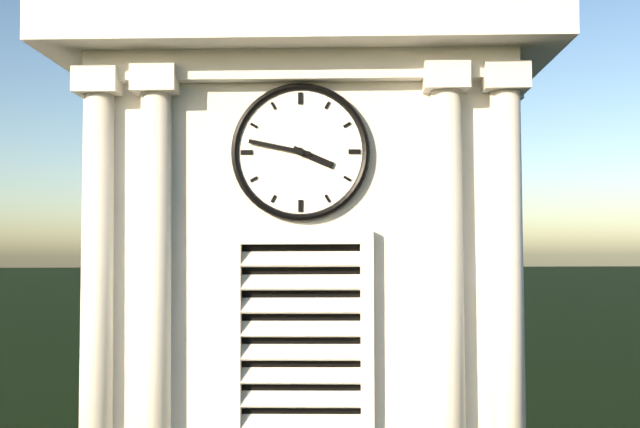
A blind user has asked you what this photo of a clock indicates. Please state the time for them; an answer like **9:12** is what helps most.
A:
**3:47**
